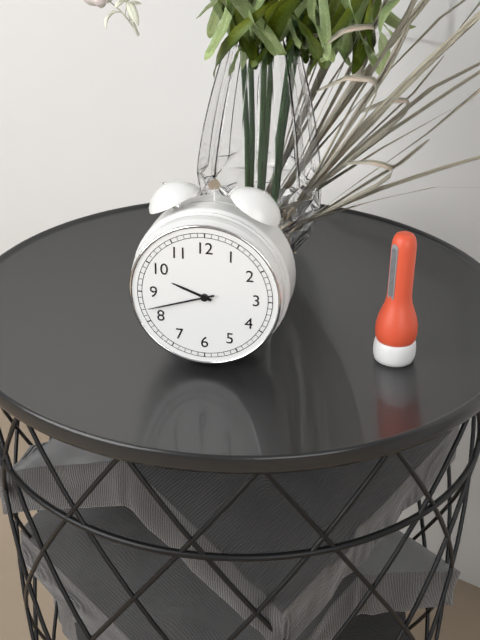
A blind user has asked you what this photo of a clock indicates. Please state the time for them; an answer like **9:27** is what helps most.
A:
**9:42**
